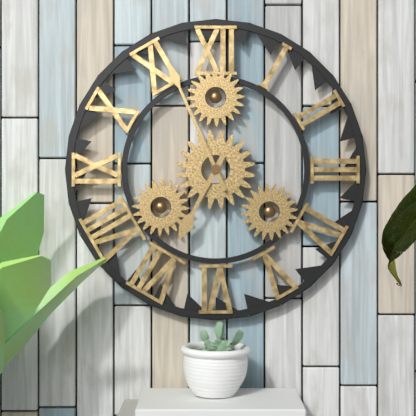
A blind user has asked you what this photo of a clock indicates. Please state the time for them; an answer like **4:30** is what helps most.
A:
**6:56**
